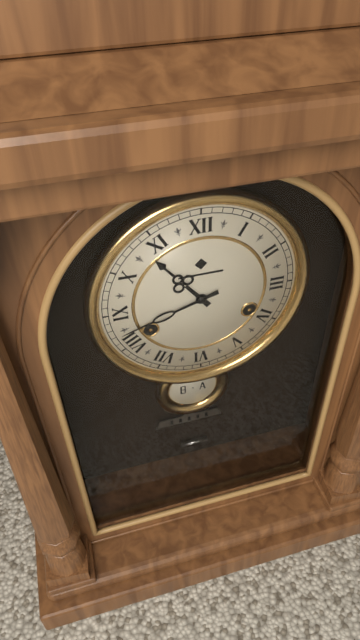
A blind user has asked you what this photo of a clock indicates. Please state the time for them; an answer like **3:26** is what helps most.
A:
**10:42**
